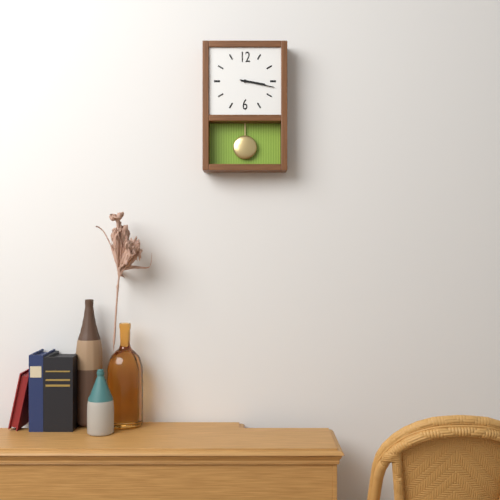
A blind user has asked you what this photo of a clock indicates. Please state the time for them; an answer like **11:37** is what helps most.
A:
**3:17**
